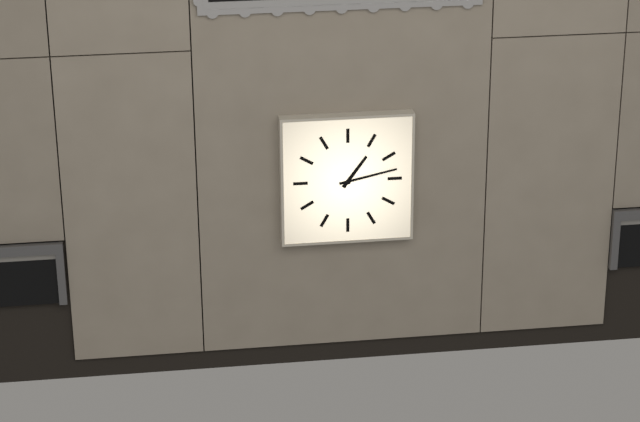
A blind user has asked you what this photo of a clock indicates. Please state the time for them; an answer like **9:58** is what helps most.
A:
**1:13**
